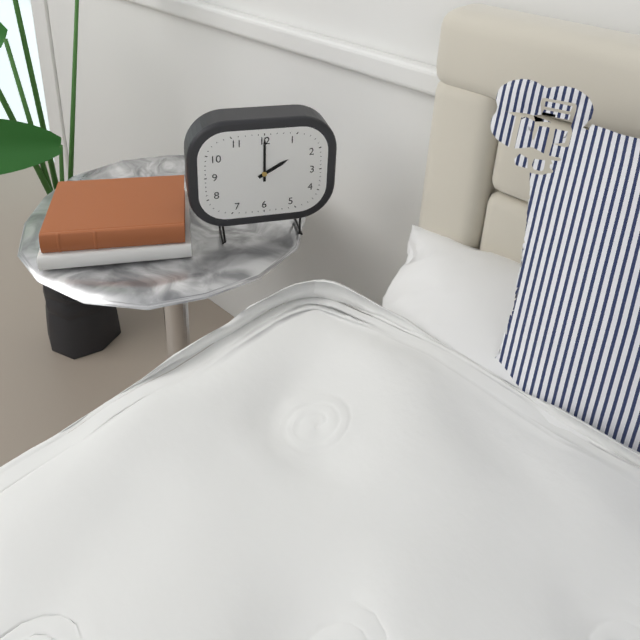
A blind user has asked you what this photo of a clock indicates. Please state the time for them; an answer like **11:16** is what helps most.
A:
**2:00**
